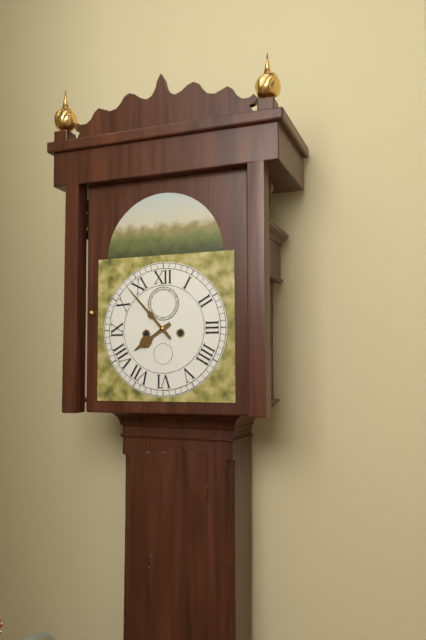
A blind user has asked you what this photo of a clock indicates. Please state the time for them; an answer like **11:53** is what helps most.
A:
**7:53**
